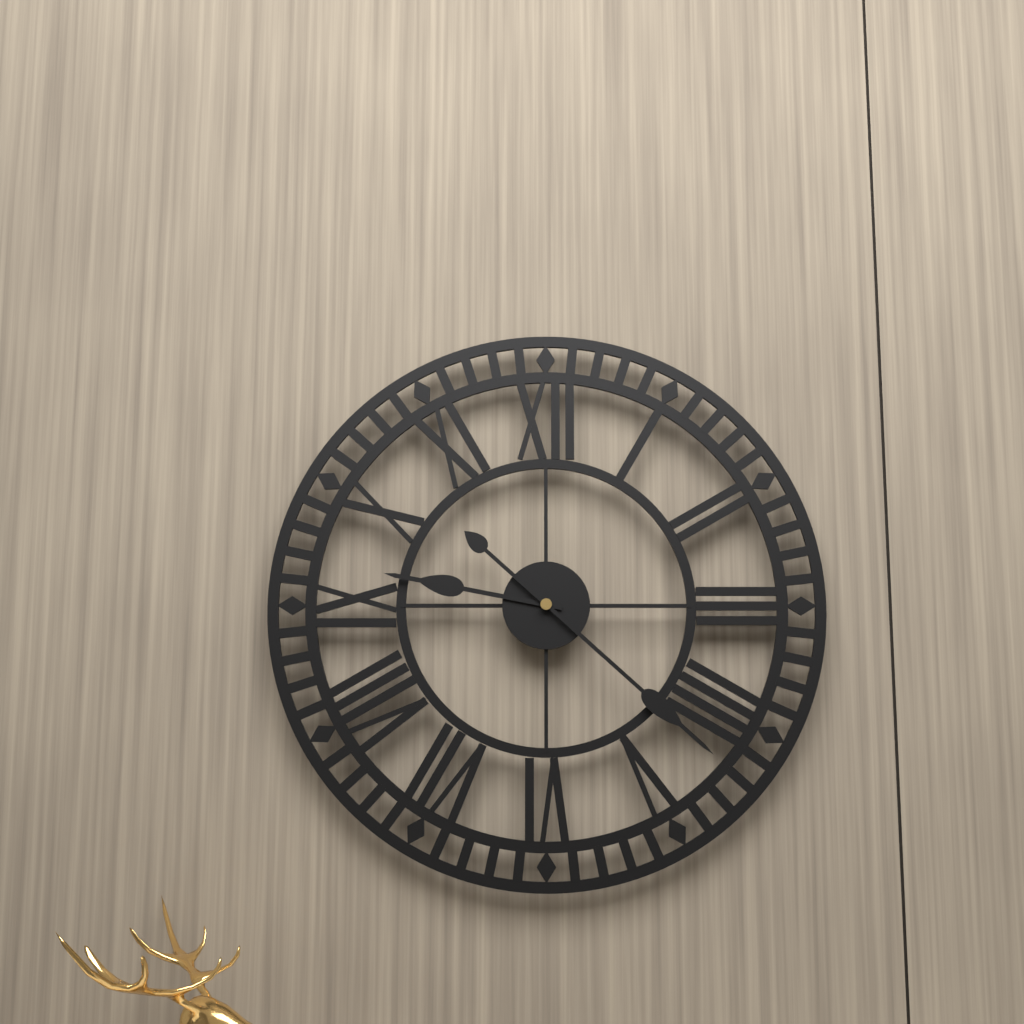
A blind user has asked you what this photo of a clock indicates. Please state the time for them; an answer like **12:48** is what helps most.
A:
**9:22**
